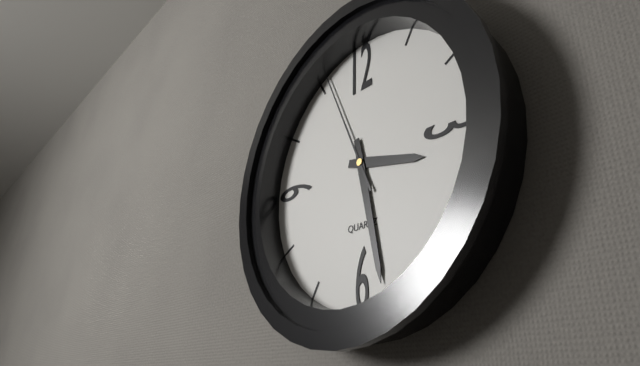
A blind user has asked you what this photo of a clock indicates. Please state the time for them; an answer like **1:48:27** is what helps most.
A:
**3:28:56**
